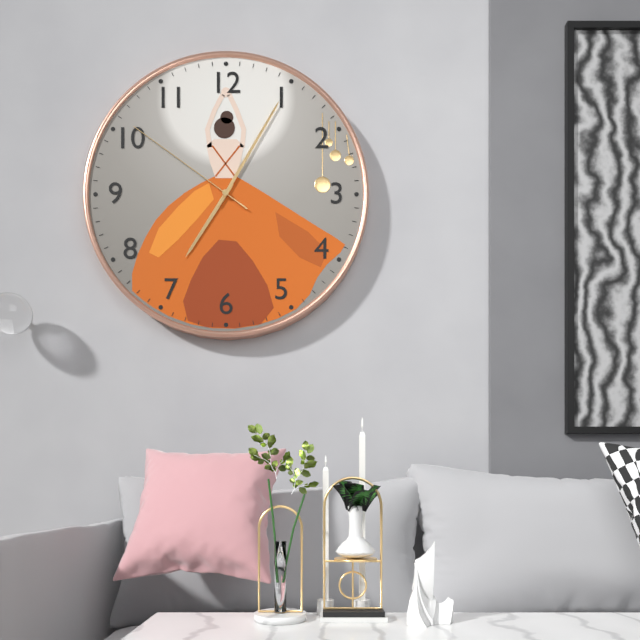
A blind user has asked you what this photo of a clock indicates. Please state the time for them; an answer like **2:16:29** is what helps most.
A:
**7:05:51**
